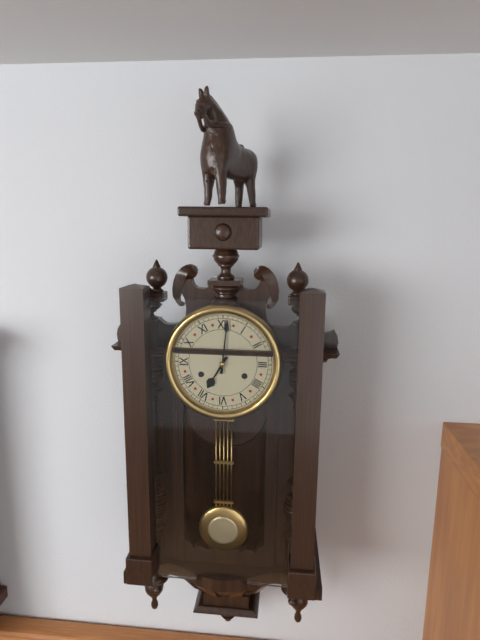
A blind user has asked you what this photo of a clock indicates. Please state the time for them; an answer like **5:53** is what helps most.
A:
**7:01**
